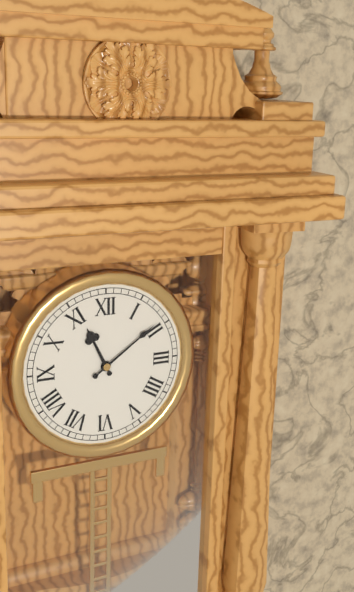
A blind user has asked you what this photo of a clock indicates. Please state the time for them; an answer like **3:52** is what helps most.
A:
**11:09**
